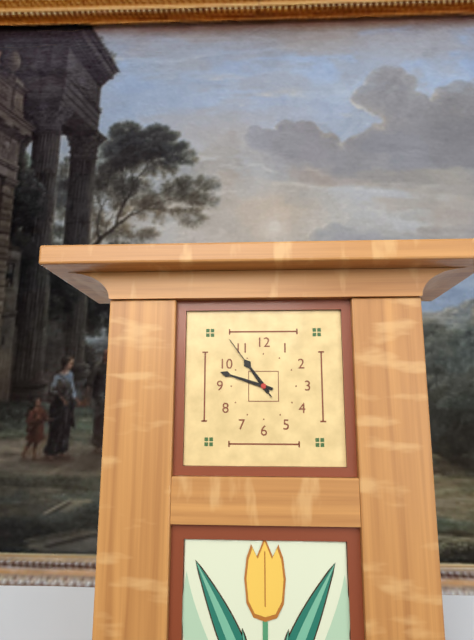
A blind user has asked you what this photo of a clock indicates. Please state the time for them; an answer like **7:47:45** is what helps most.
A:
**10:48:54**
